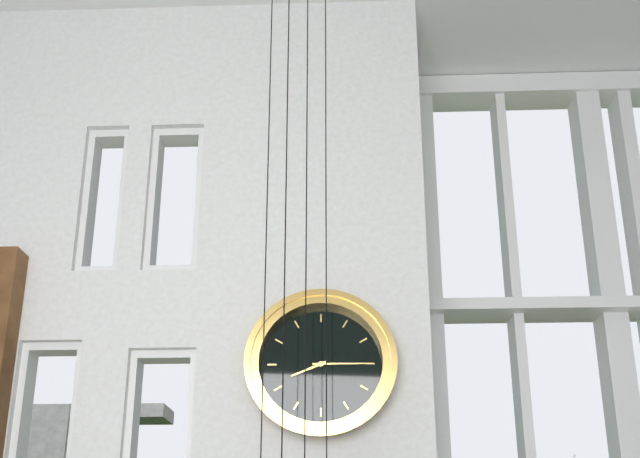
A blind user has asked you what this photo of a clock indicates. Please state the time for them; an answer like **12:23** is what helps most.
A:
**8:15**
